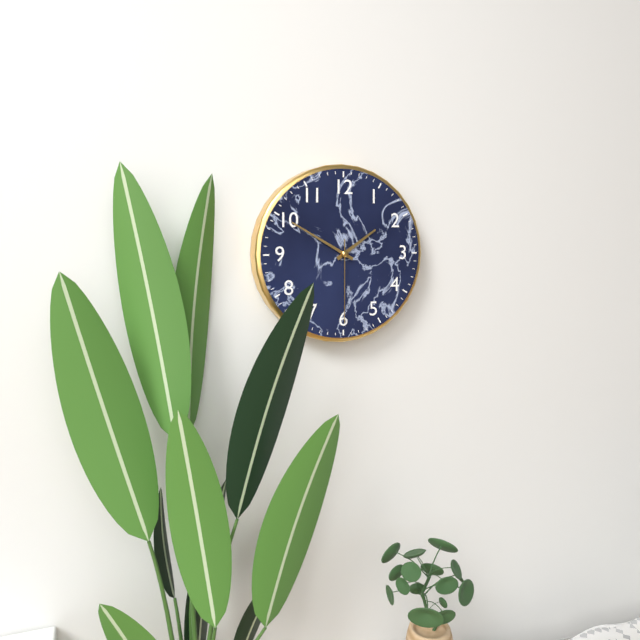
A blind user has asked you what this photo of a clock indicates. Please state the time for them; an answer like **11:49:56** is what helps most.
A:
**1:50:30**
